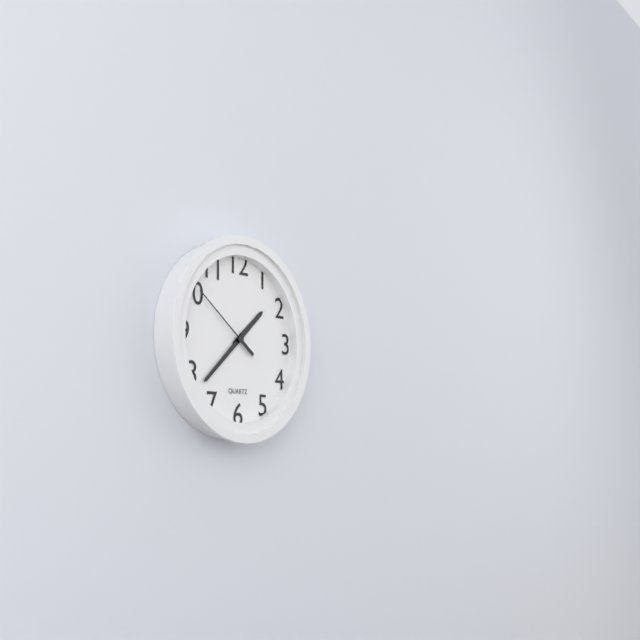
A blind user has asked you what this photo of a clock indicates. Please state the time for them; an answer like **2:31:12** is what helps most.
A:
**1:38:51**
